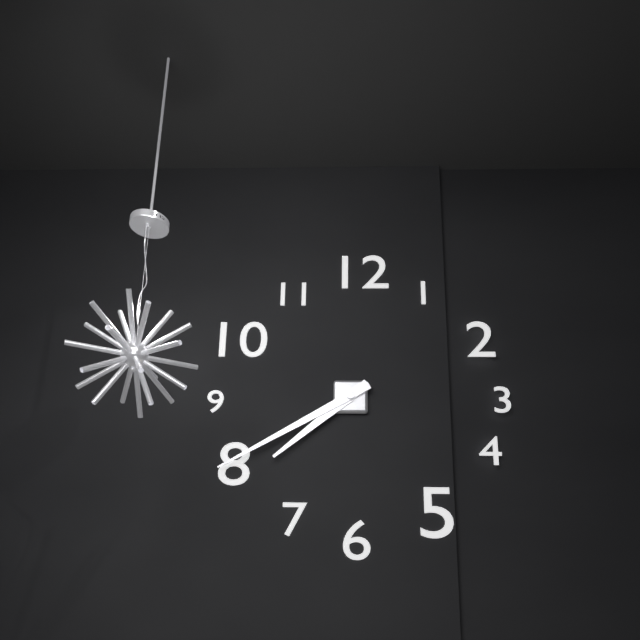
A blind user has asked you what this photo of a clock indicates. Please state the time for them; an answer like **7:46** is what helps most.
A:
**7:40**
